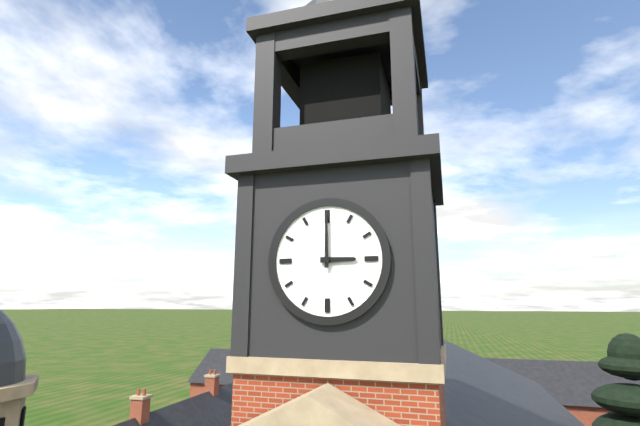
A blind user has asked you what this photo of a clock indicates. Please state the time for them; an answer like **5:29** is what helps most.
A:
**3:00**
